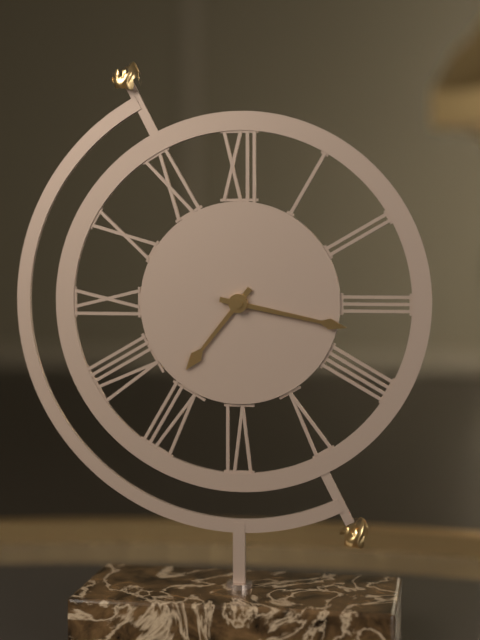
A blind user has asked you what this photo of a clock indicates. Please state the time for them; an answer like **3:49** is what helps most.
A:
**7:17**
